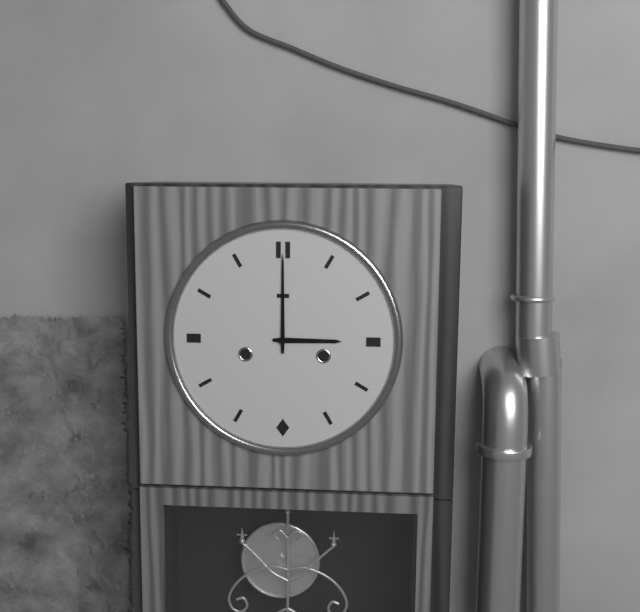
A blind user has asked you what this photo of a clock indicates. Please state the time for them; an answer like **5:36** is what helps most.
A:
**3:00**
